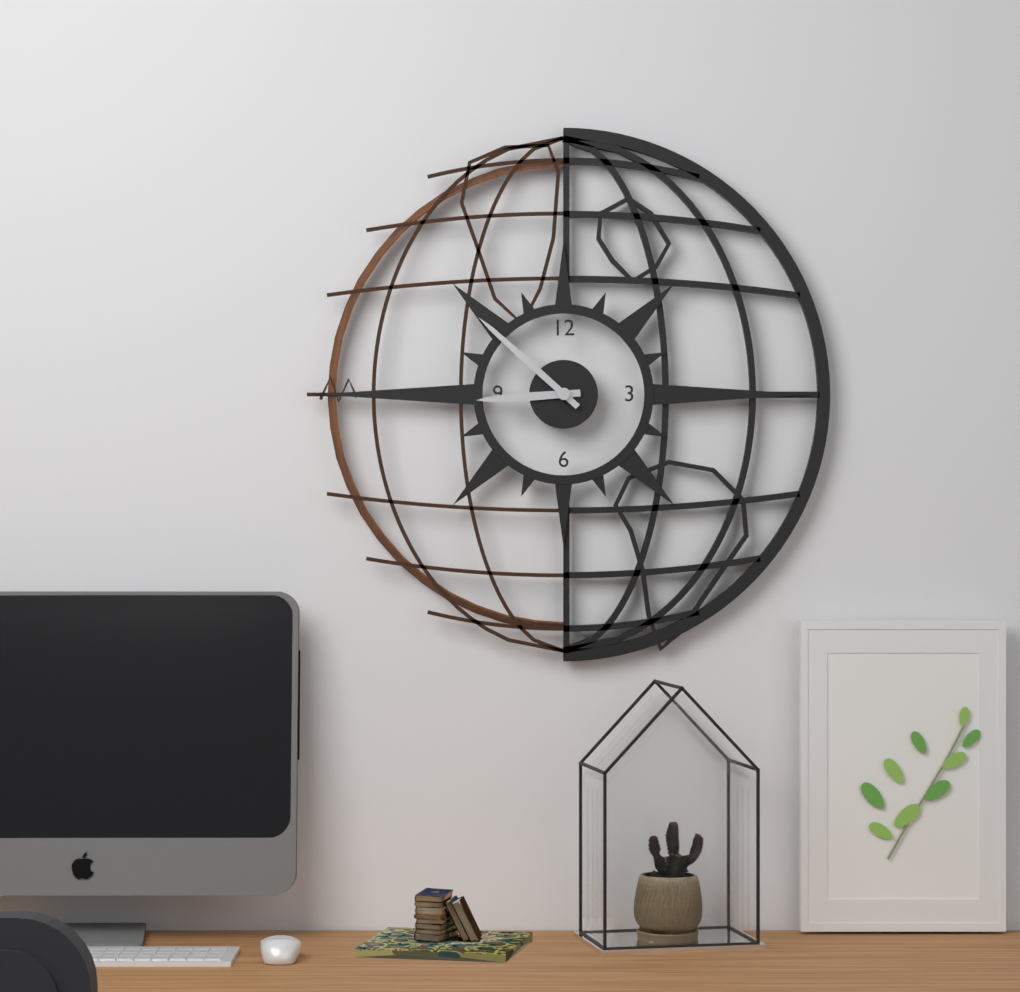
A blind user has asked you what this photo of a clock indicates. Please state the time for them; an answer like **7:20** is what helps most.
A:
**8:52**
